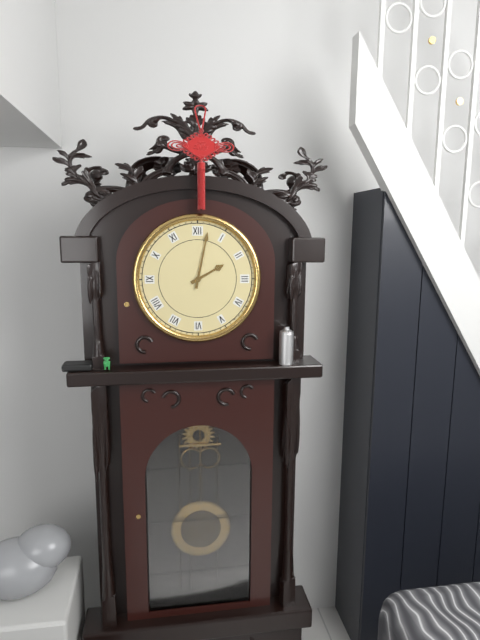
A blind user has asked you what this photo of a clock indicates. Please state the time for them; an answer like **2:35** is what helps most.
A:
**2:02**
